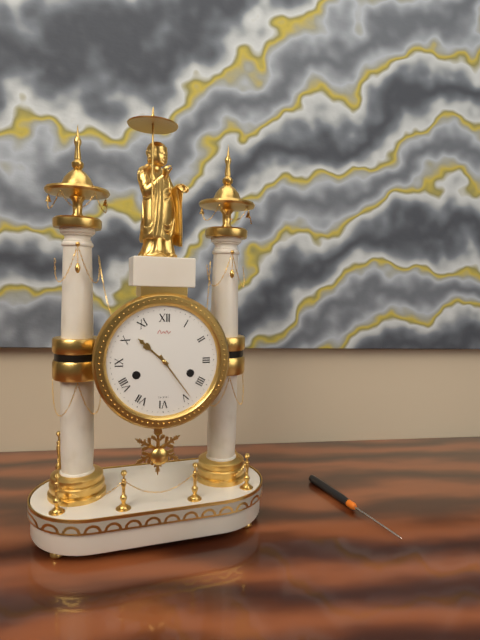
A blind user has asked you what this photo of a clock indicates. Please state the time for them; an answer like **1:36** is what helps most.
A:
**10:24**
